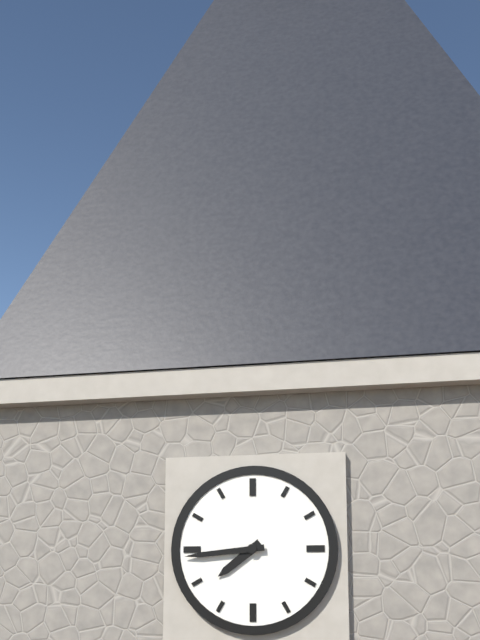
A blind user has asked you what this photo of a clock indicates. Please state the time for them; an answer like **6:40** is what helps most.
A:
**7:44**
